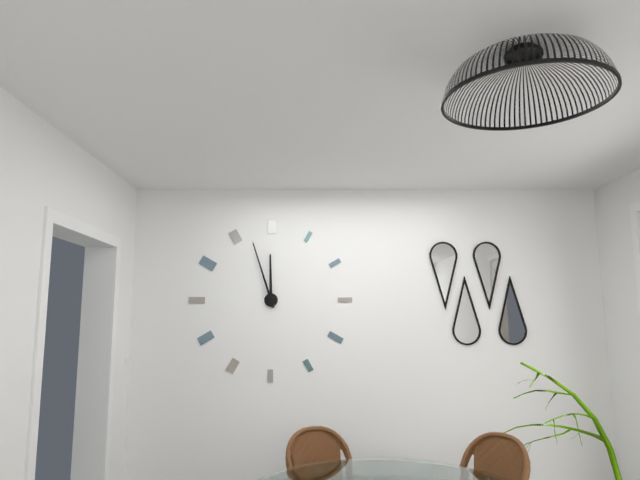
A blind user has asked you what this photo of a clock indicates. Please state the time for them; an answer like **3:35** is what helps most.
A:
**11:57**
